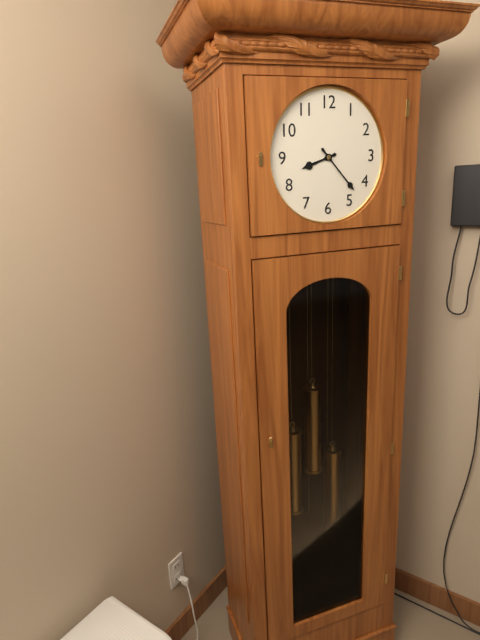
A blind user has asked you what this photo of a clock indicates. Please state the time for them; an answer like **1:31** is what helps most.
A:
**8:23**
